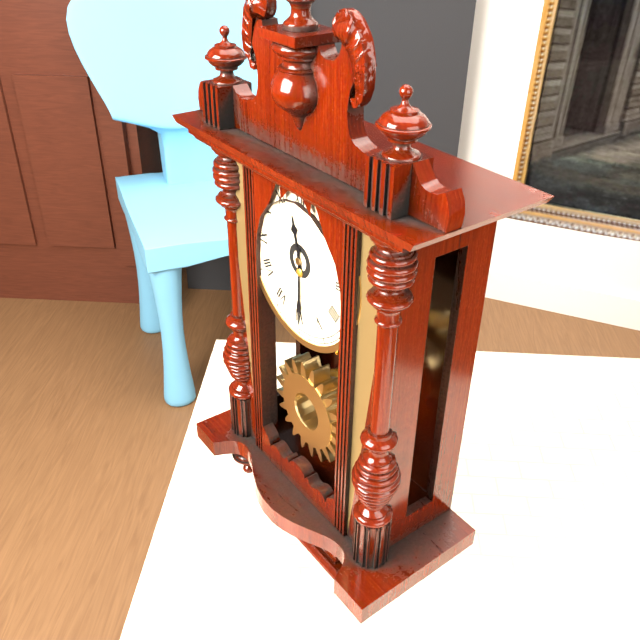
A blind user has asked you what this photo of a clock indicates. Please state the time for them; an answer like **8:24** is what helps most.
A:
**11:30**
